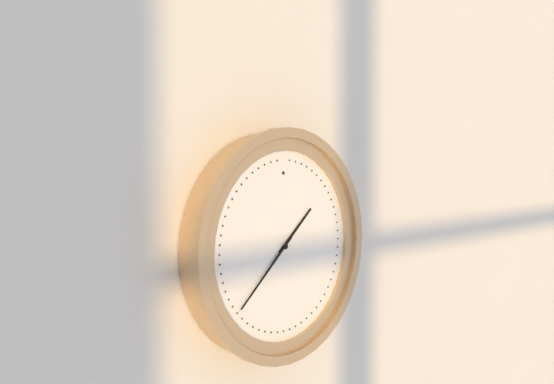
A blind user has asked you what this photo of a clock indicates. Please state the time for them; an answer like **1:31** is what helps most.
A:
**1:38**
